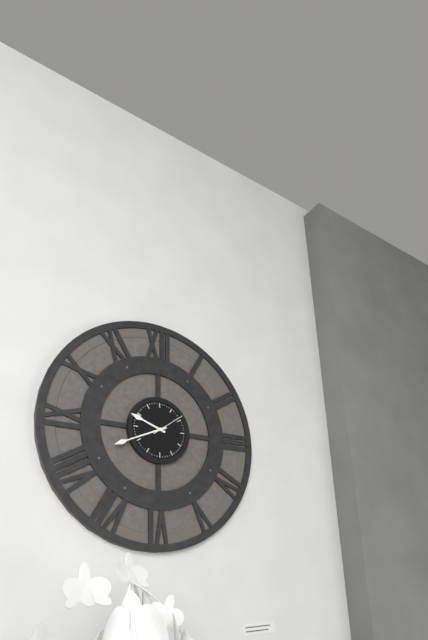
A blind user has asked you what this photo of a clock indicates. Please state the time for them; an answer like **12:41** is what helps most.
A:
**9:41**
